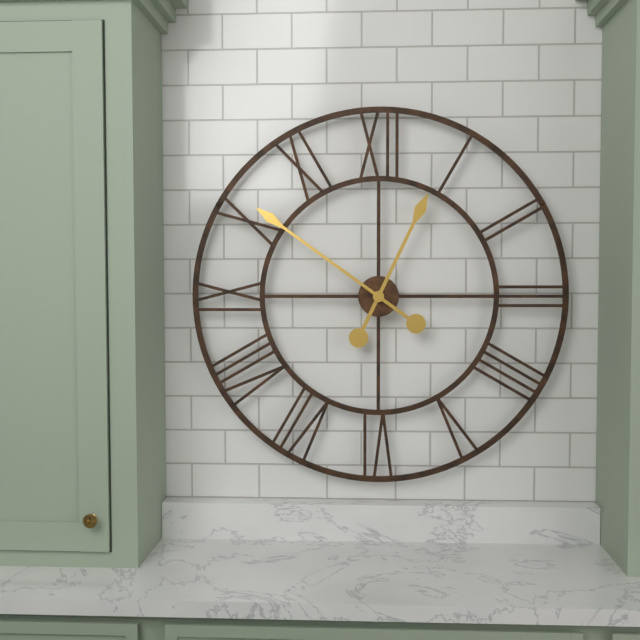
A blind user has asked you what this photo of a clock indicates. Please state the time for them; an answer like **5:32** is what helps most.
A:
**12:51**
